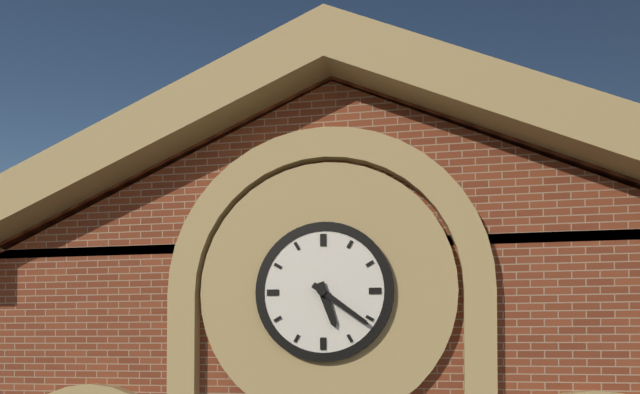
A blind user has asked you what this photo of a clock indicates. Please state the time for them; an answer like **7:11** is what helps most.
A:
**5:21**
